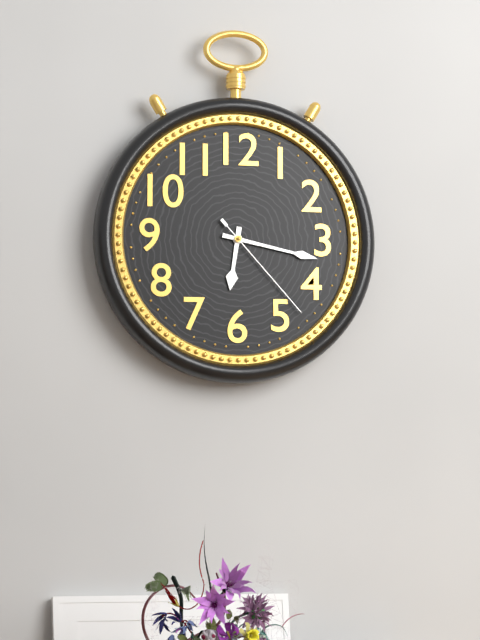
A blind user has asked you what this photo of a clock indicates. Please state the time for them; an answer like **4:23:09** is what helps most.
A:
**6:17:23**
